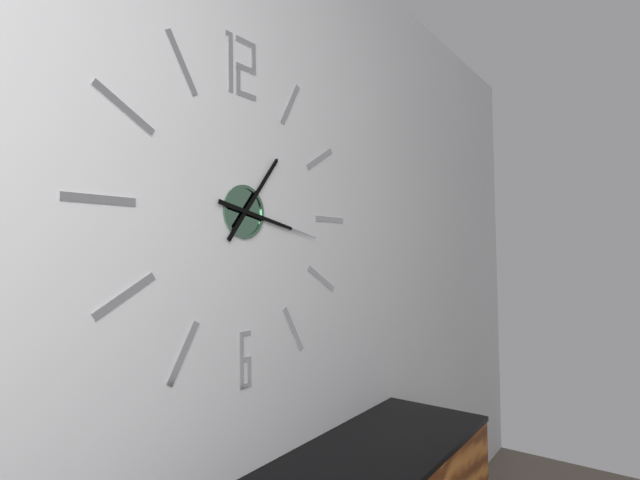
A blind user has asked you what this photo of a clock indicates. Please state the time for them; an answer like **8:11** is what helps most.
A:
**1:17**
